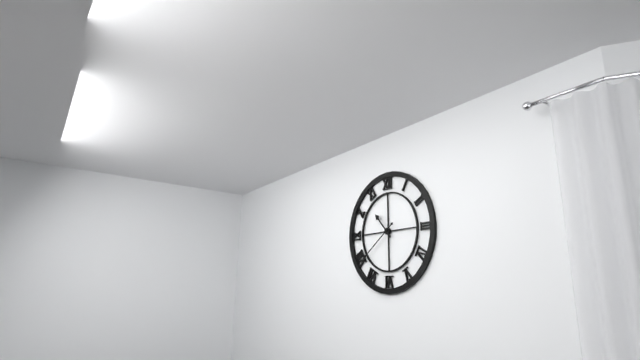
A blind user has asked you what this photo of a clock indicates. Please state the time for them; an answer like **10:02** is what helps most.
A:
**10:39**
